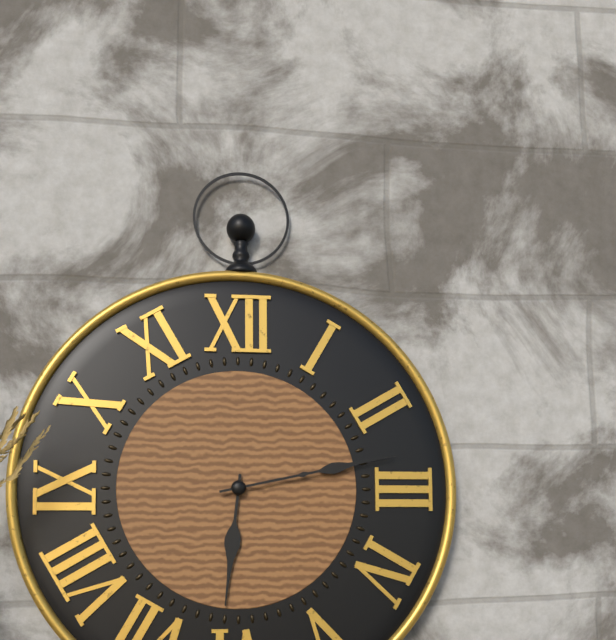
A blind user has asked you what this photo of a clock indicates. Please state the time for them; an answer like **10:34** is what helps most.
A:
**6:13**
